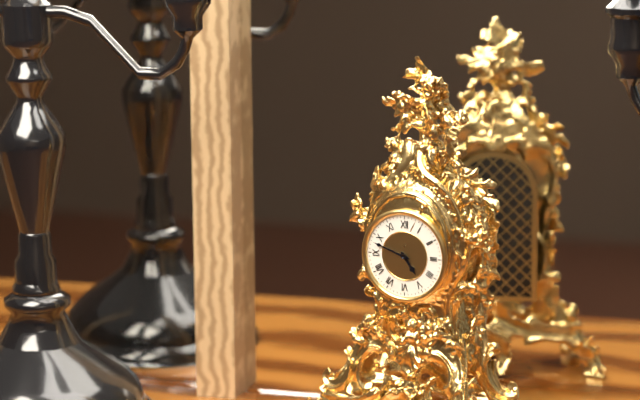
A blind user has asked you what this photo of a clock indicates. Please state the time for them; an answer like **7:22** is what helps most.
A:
**4:48**
